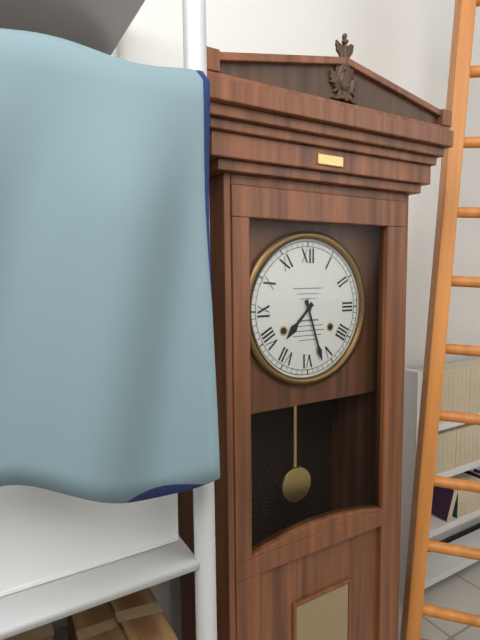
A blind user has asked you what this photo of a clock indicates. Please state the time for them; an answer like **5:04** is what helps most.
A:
**7:27**
